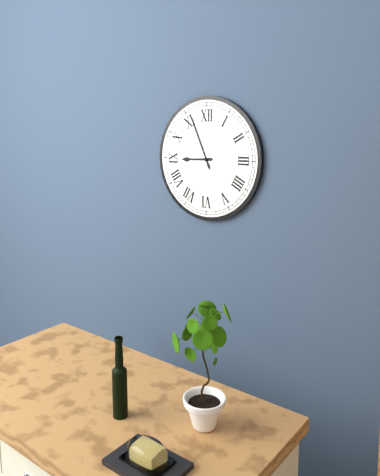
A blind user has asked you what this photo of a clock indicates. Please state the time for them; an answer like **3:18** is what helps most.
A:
**8:56**
